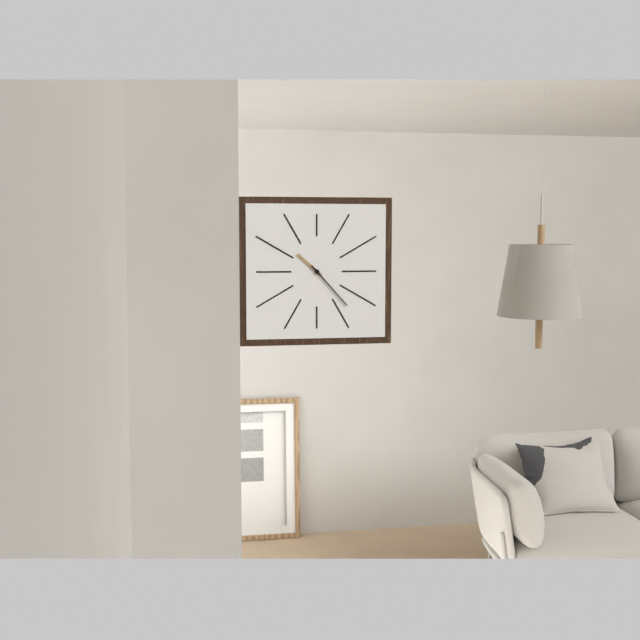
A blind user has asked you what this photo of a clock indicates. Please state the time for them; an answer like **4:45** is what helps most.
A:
**10:23**
